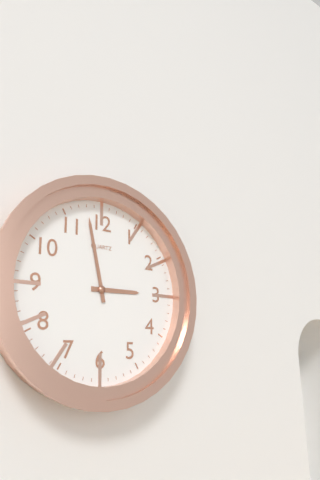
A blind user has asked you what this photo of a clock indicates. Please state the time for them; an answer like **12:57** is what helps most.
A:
**2:58**
